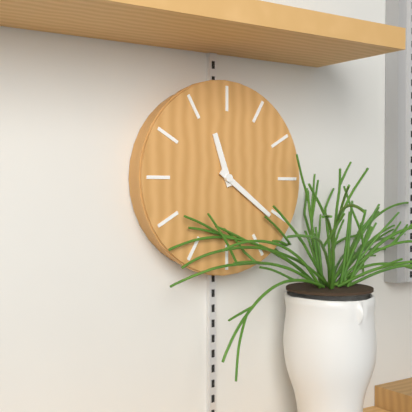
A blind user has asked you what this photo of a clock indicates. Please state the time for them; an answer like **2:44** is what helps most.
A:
**11:21**
